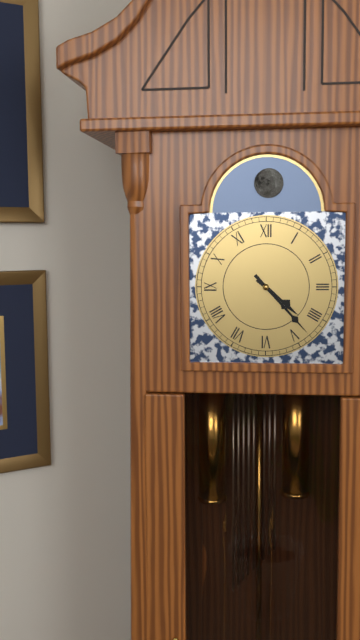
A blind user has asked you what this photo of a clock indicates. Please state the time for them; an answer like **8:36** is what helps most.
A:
**4:23**
